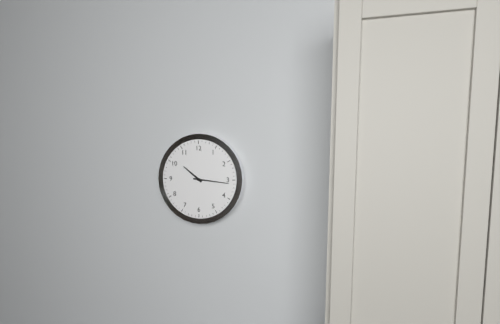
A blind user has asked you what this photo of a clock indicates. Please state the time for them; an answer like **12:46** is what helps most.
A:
**10:16**
